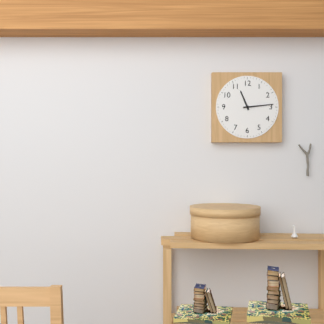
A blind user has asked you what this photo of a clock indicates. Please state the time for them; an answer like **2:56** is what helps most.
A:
**11:14**
